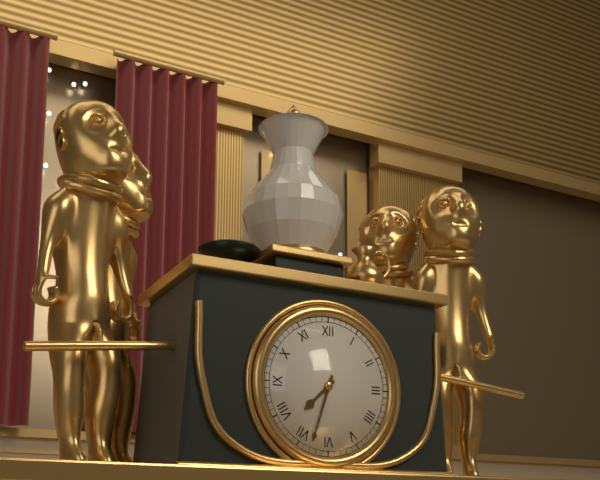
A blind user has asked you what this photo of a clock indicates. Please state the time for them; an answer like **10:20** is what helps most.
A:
**7:33**
